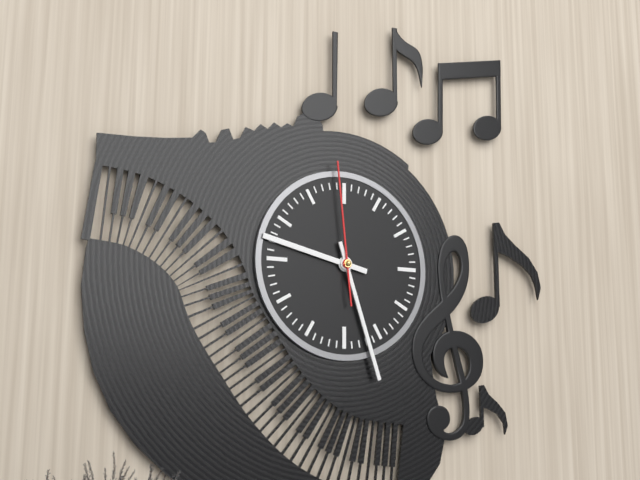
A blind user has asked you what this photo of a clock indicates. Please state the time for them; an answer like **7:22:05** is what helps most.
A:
**9:27:59**
